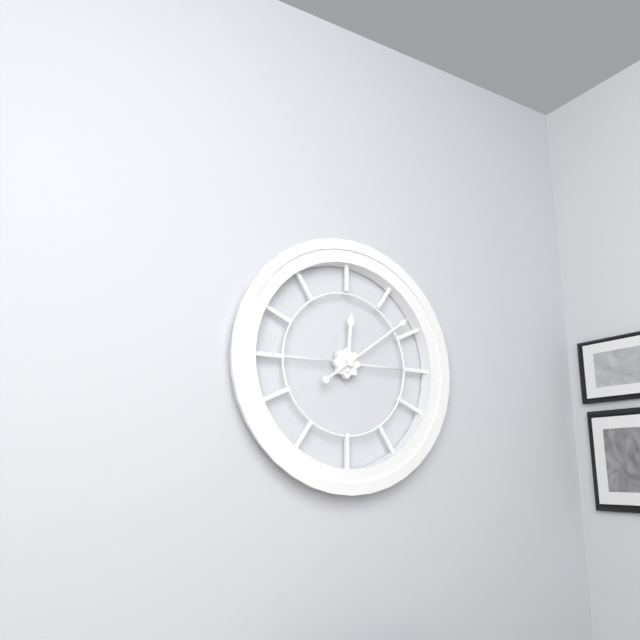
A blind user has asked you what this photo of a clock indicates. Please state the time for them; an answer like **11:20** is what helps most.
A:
**12:09**
